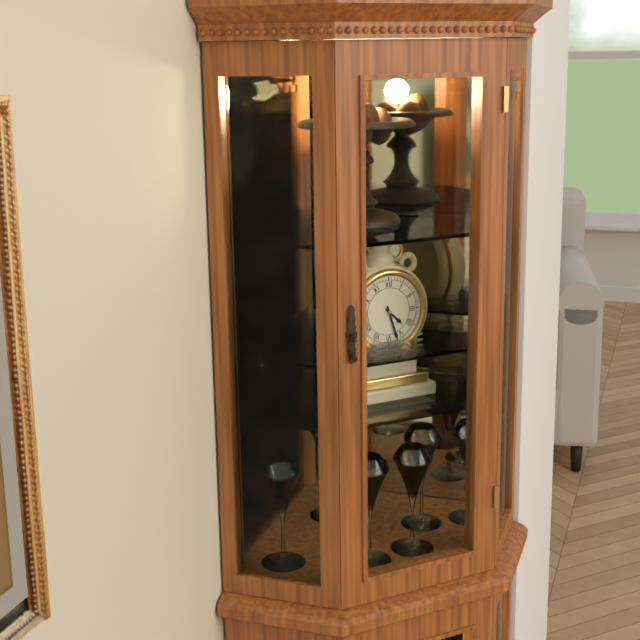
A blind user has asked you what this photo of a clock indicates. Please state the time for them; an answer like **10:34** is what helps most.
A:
**4:27**
